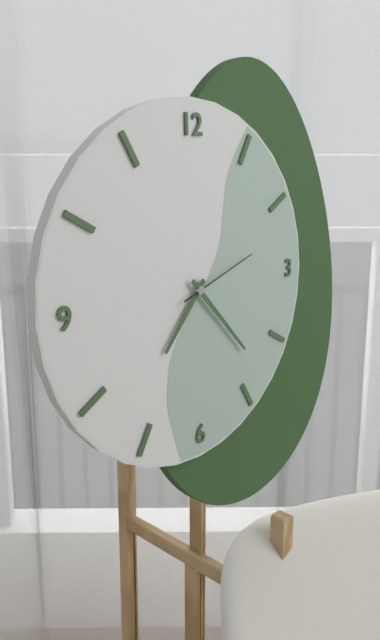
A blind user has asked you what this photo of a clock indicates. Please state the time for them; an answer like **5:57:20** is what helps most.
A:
**7:23:12**
